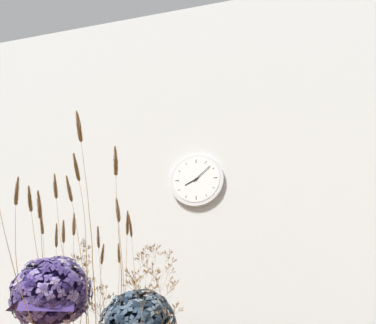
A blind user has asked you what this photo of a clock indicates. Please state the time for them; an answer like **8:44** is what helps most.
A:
**8:08**
